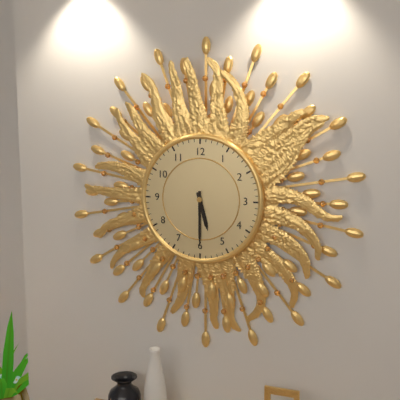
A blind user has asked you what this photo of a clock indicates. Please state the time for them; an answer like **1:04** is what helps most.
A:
**5:30**
